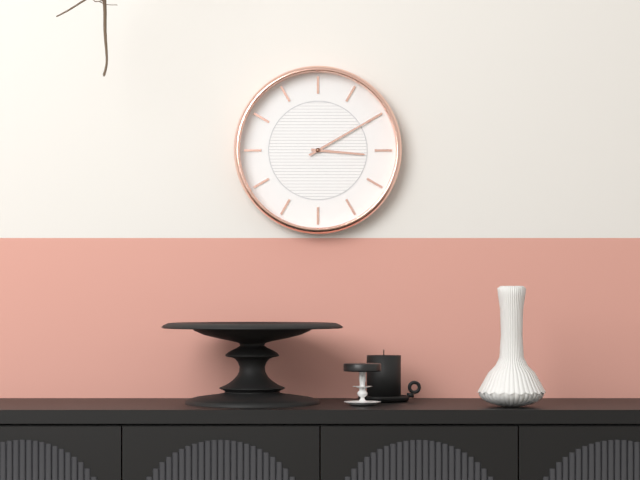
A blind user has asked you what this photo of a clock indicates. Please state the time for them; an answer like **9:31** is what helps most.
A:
**3:10**
